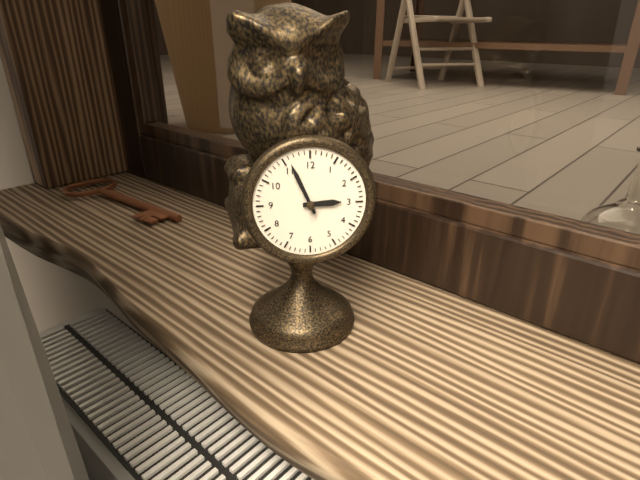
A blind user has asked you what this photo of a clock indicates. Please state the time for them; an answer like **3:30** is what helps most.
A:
**2:56**
